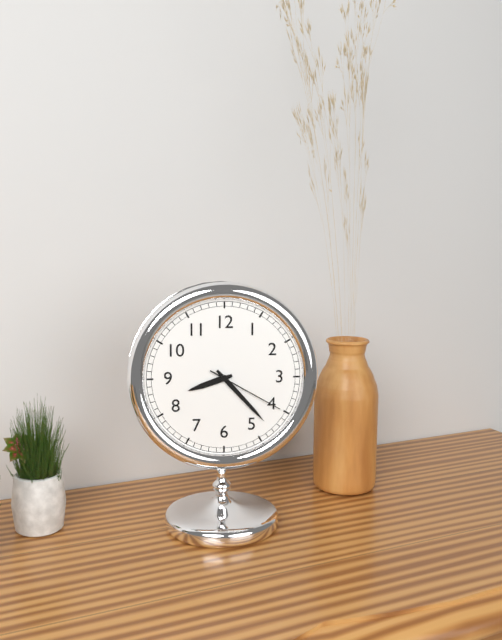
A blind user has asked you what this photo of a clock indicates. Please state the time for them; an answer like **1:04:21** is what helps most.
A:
**8:23:20**
